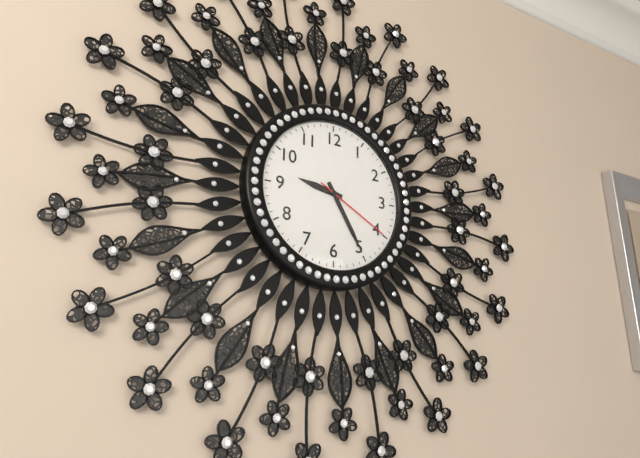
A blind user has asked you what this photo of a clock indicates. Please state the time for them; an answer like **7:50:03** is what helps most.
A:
**9:25:20**
